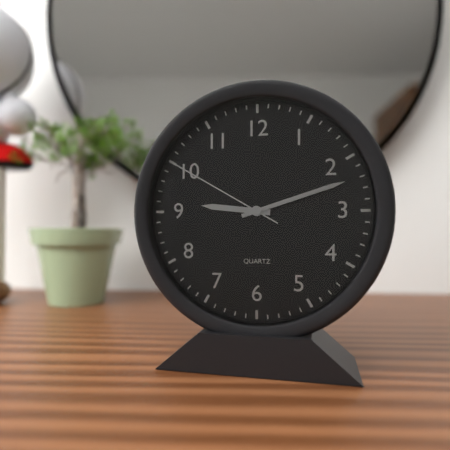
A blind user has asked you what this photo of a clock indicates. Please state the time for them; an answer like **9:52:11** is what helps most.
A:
**9:12:50**
